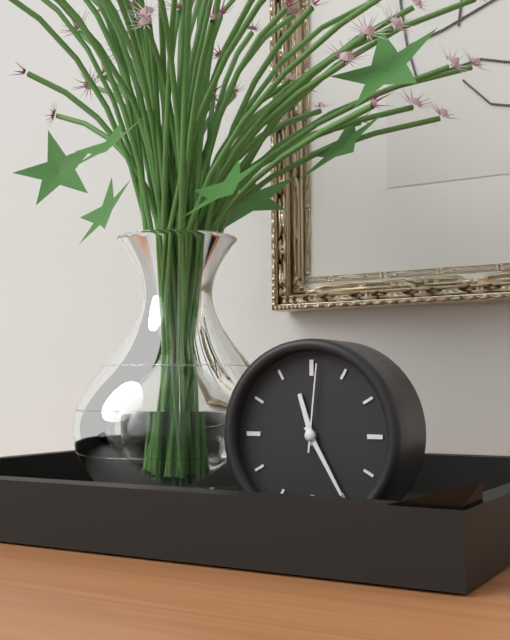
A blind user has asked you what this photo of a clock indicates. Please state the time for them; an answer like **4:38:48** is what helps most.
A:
**11:25:01**
